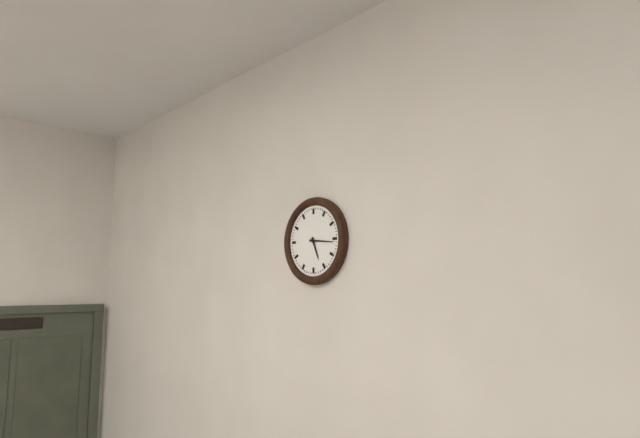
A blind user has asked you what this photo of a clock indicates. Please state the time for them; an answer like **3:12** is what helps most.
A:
**5:16**
